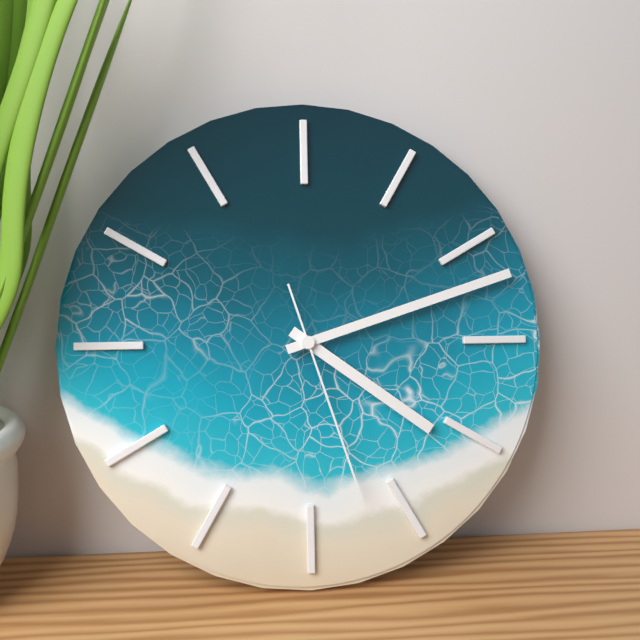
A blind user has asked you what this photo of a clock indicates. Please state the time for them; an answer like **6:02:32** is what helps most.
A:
**4:12:27**
